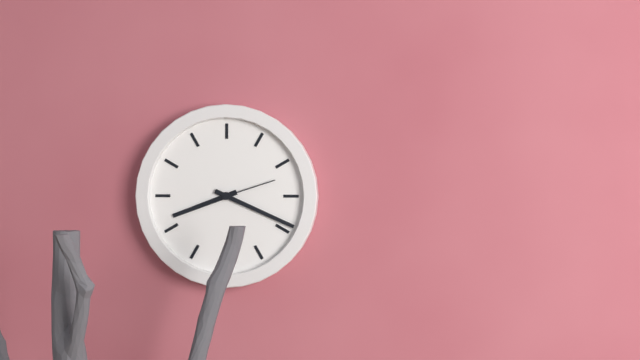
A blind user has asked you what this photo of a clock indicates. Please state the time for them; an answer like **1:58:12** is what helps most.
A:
**8:19:12**
